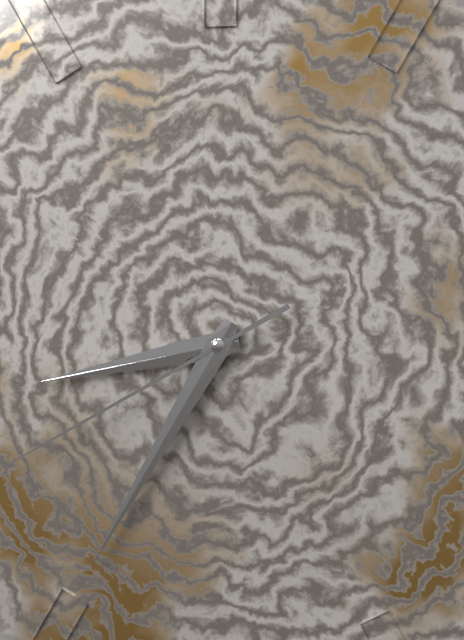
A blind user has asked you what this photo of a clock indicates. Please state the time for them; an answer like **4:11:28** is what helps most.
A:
**8:35:40**
